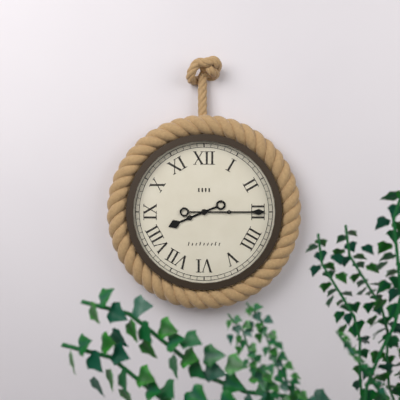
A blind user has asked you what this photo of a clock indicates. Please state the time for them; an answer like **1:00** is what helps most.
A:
**8:15**
